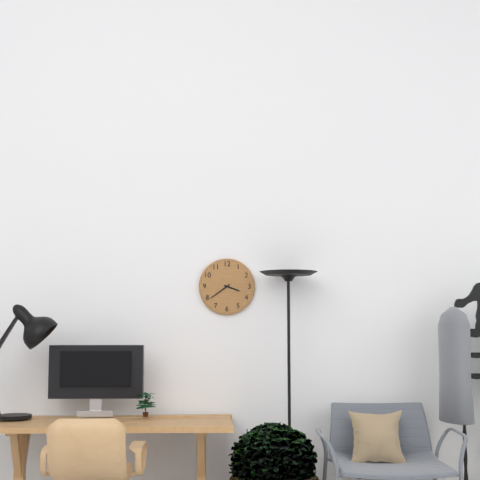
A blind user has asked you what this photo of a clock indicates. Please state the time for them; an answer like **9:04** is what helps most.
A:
**3:39**
